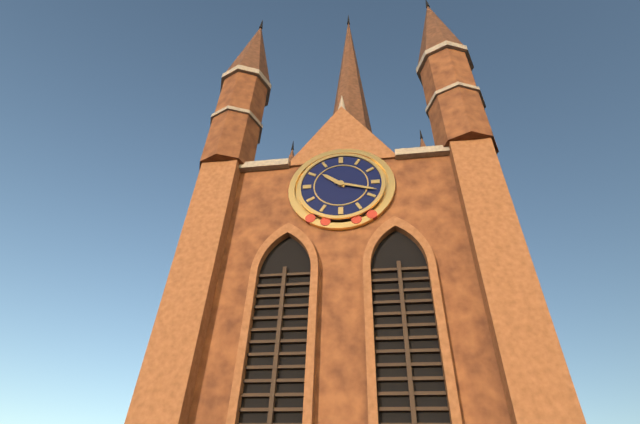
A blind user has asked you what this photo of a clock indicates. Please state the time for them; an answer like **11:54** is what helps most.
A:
**10:18**
